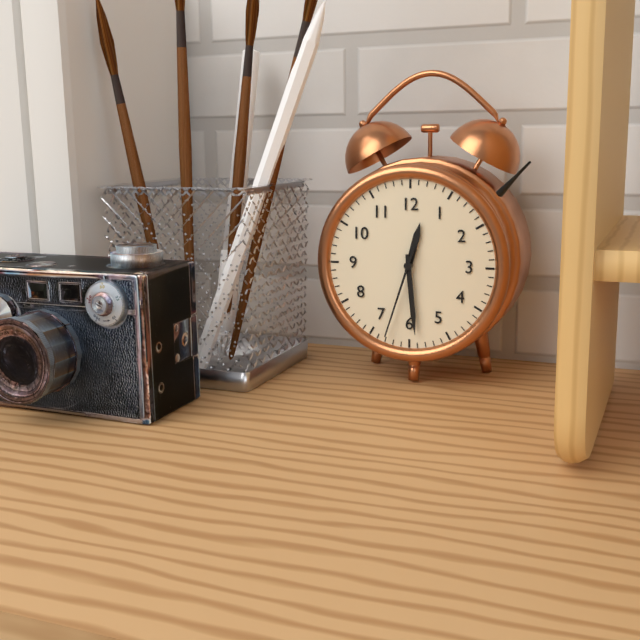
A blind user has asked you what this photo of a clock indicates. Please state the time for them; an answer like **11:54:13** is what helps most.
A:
**12:29:33**
